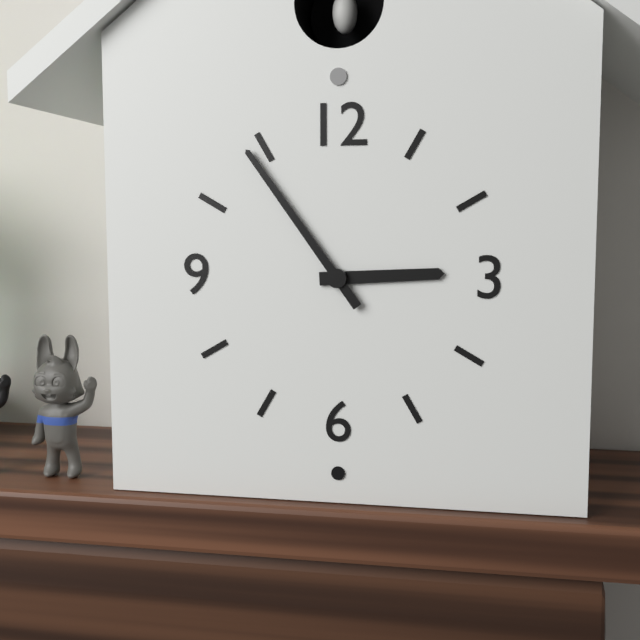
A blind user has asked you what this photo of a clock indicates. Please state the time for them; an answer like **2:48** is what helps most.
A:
**2:54**
